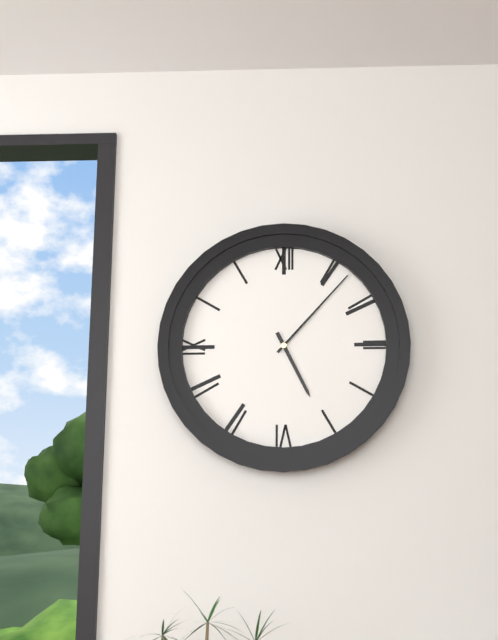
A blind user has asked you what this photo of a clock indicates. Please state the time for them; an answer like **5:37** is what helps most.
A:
**5:07**
